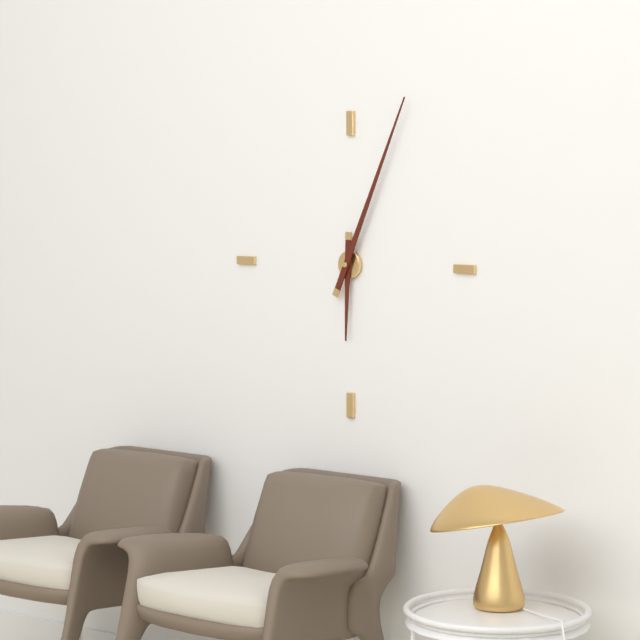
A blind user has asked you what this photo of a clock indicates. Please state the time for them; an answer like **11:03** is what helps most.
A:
**6:04**
